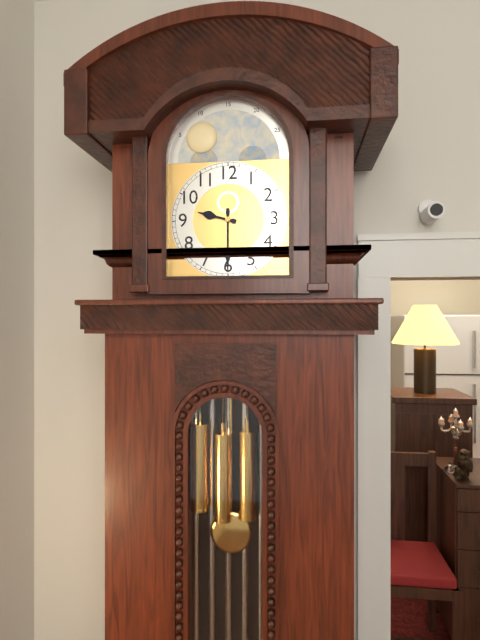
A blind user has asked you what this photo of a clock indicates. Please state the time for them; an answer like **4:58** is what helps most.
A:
**9:30**
